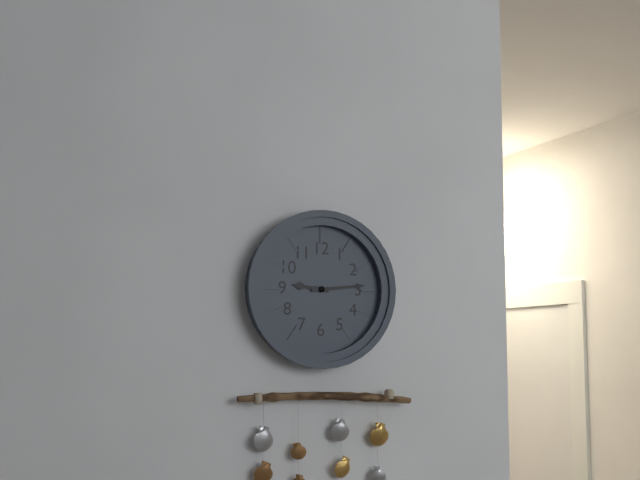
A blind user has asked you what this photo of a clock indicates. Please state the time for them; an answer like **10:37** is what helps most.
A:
**9:14**
